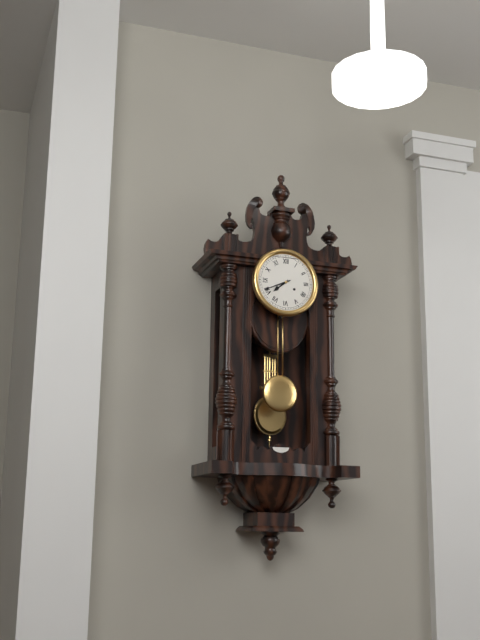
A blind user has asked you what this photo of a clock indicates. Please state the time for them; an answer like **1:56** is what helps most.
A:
**7:41**
